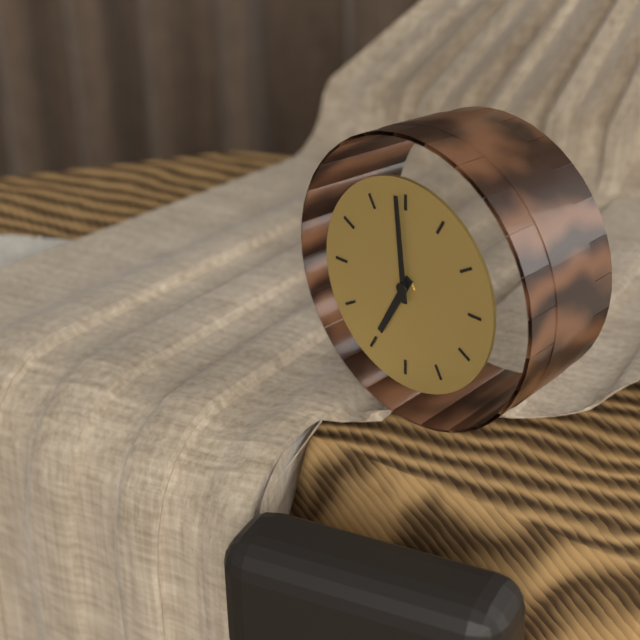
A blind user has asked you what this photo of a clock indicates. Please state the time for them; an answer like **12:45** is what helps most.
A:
**6:59**
